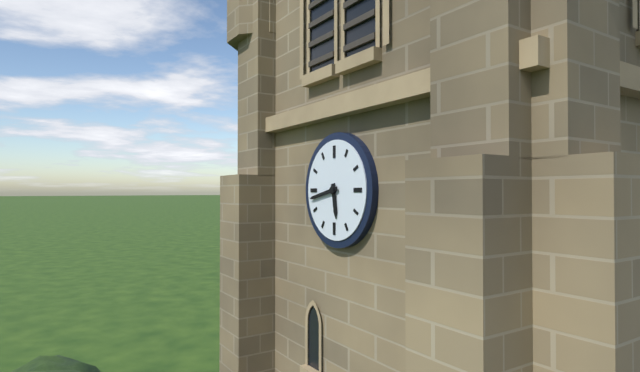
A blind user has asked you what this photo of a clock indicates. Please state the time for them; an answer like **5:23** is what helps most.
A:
**5:43**
